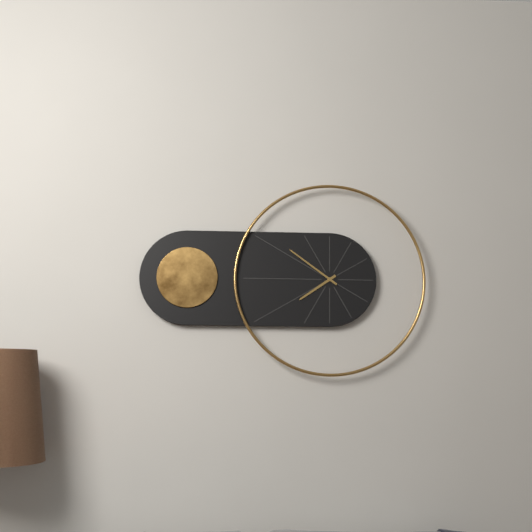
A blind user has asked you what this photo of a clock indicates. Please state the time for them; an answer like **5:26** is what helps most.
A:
**7:51**
